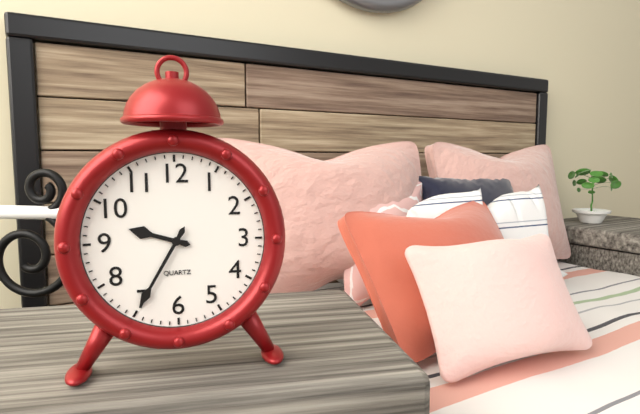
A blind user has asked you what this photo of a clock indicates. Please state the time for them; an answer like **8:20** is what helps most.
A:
**9:35**
